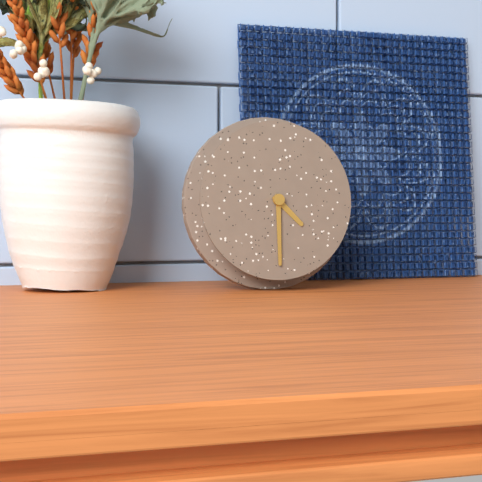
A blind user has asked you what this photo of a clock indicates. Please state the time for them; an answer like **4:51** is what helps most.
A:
**4:30**
